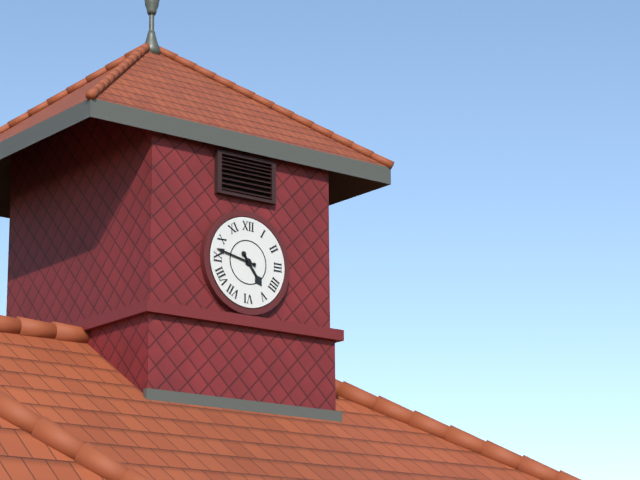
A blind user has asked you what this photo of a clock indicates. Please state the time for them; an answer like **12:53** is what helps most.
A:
**4:47**
